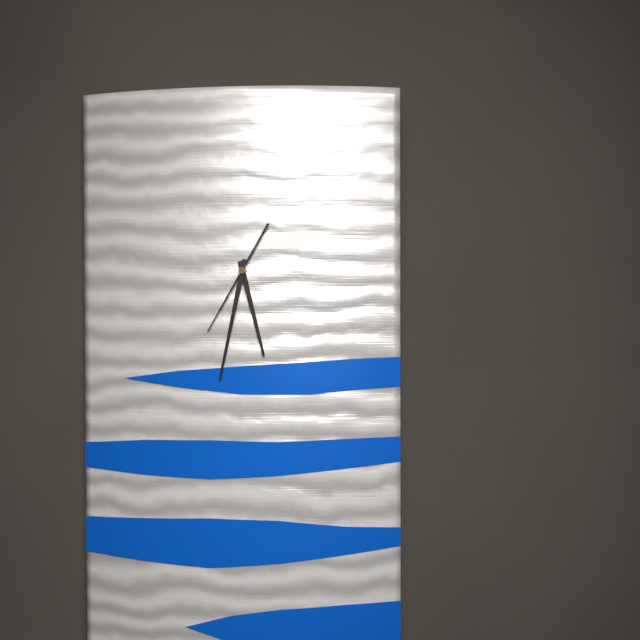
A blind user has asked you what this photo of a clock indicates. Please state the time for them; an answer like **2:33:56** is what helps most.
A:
**5:32:35**
